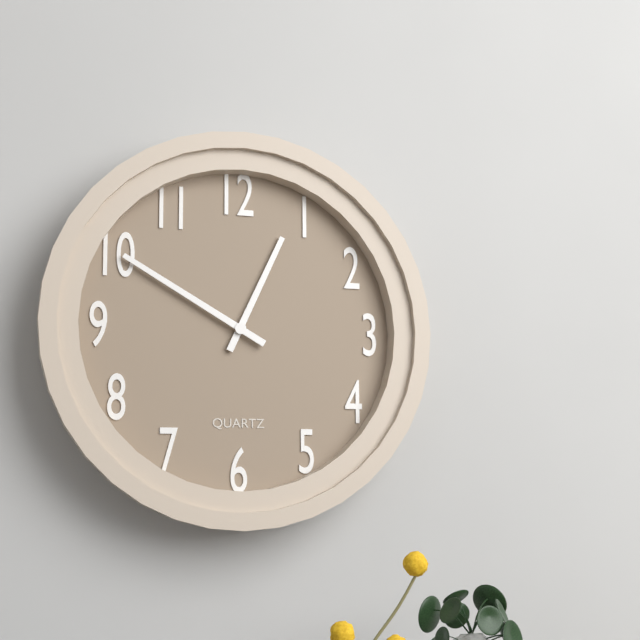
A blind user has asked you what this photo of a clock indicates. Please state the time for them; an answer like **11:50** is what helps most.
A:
**12:50**
